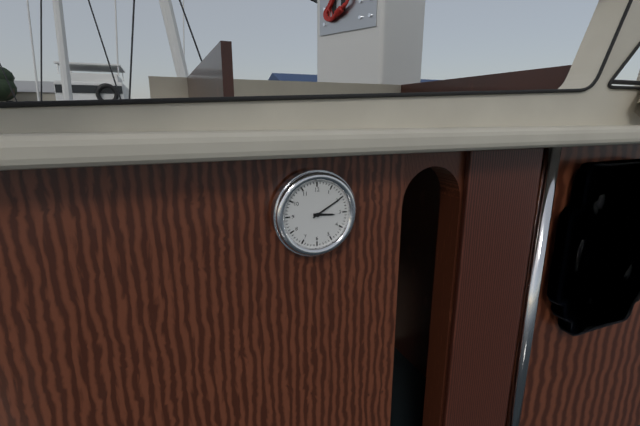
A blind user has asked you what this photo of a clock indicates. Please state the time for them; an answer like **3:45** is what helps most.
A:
**3:10**
